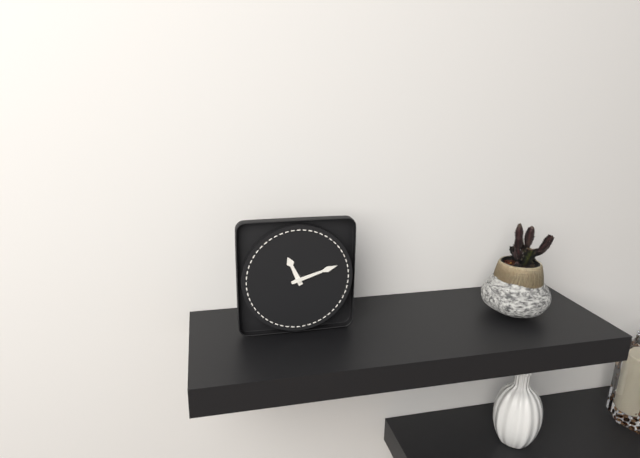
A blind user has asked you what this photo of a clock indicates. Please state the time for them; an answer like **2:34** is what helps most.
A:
**11:12**
